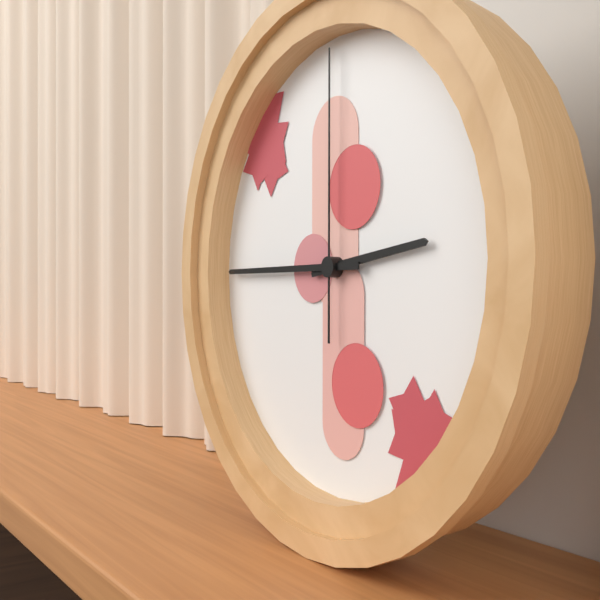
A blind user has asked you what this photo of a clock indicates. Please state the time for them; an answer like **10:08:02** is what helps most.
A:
**2:45:00**
